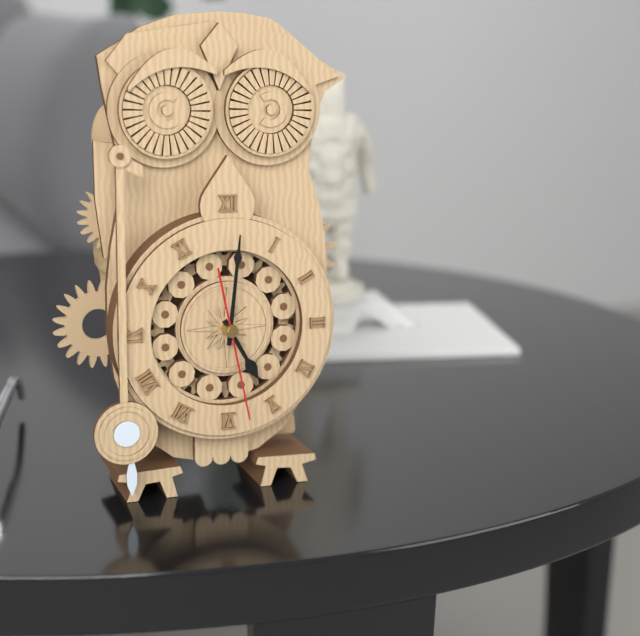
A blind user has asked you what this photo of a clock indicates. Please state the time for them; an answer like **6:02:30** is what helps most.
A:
**5:01:28**
